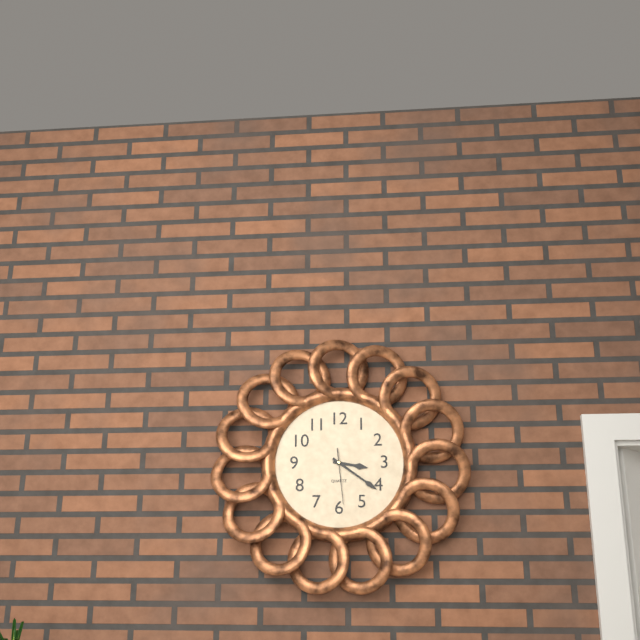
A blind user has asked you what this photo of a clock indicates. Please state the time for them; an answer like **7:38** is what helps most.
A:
**3:21**
